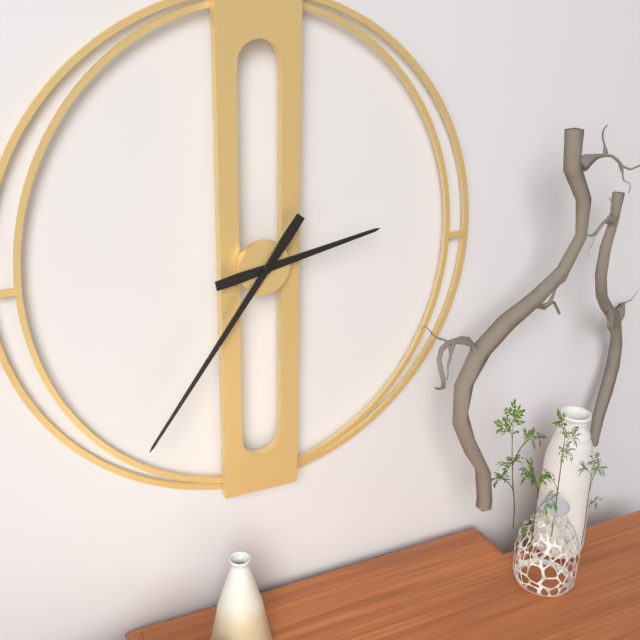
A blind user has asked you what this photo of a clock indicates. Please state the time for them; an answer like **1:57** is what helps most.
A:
**2:36**
